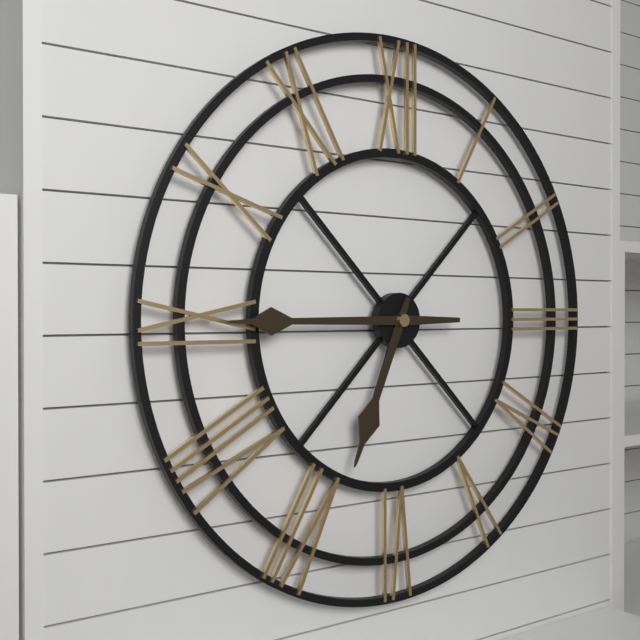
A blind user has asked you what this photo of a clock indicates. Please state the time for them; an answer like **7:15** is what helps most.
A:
**6:45**
